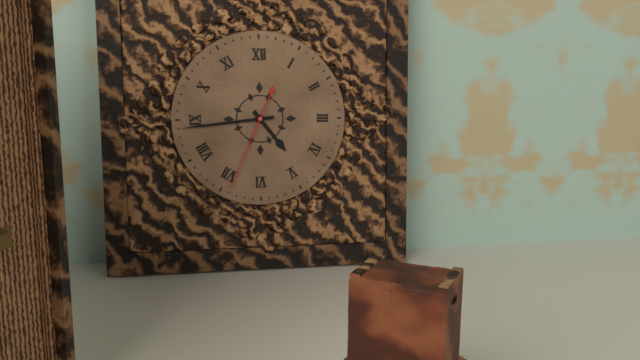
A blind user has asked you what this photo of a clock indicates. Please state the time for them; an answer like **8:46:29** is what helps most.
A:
**4:44:34**
